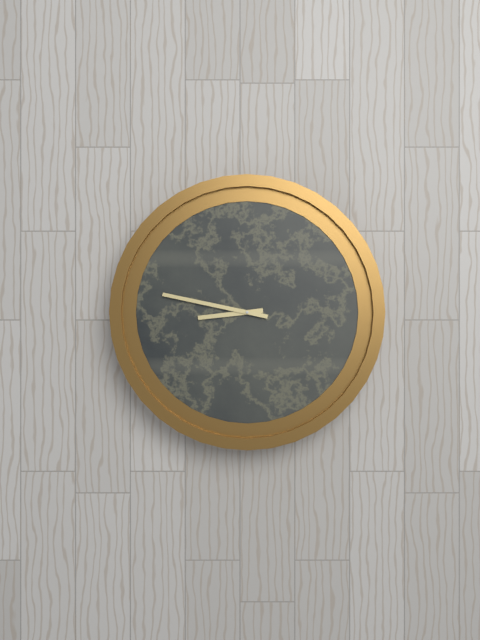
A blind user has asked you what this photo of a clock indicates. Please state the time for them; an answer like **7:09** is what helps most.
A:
**8:47**
